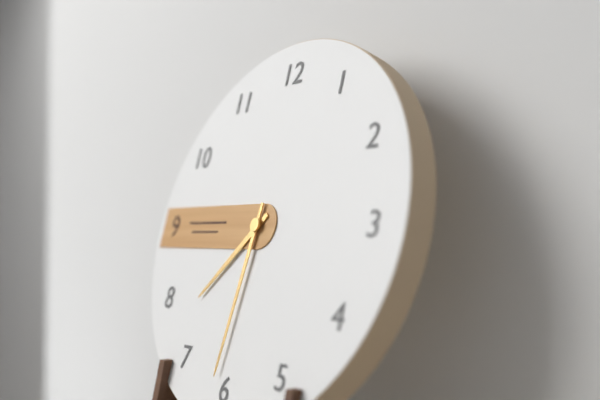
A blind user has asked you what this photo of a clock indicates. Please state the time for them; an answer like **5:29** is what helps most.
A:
**7:31**
